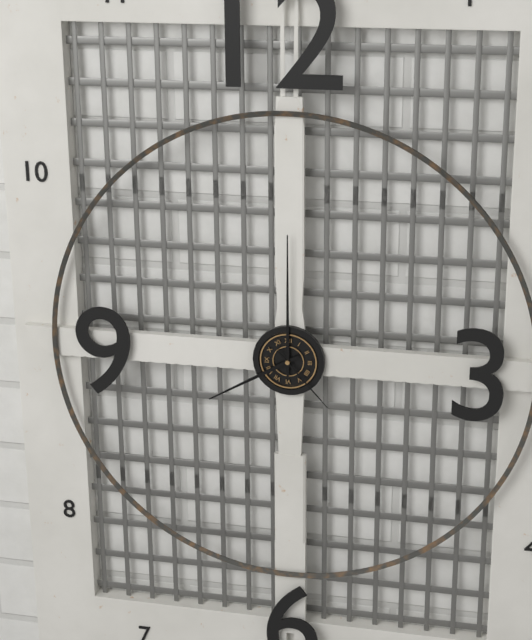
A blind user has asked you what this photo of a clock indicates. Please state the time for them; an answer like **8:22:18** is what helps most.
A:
**8:00:23**
